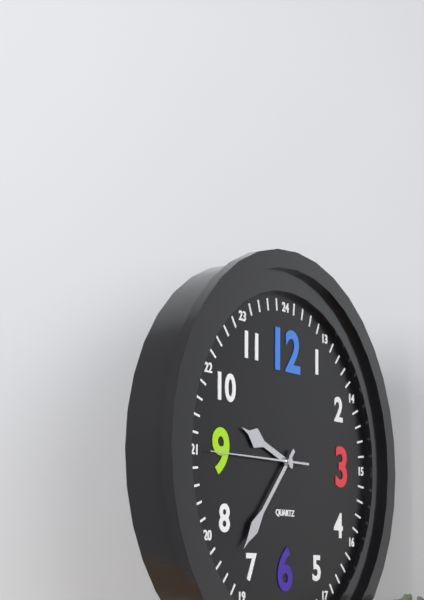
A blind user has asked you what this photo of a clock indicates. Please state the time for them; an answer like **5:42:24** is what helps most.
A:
**9:37:45**
